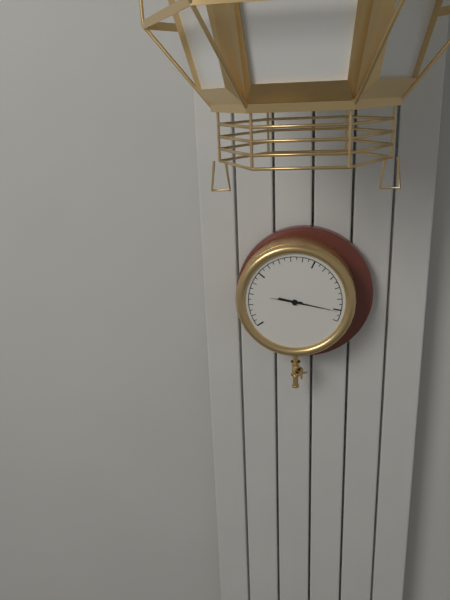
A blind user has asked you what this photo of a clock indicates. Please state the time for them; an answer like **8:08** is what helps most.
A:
**9:17**
